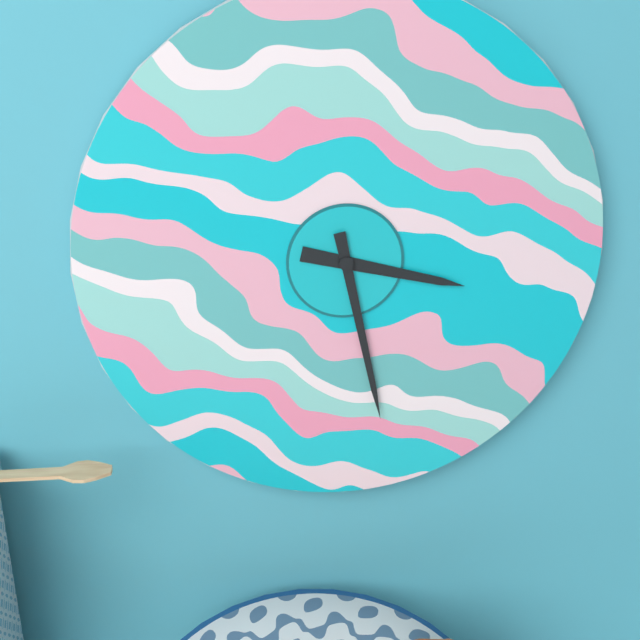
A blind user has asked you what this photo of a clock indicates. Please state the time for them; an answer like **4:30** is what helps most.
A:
**3:28**
